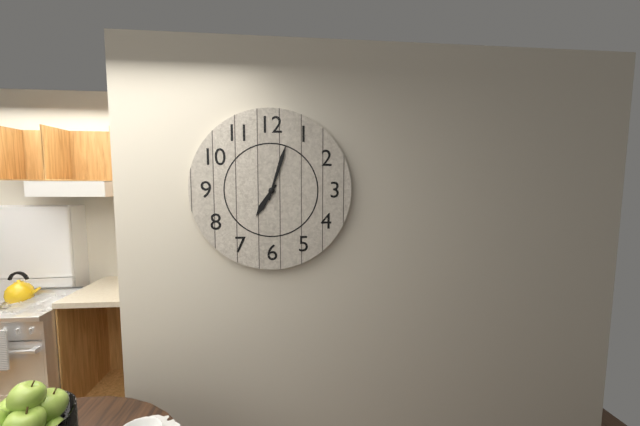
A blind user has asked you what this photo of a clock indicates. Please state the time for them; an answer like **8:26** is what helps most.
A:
**7:03**
